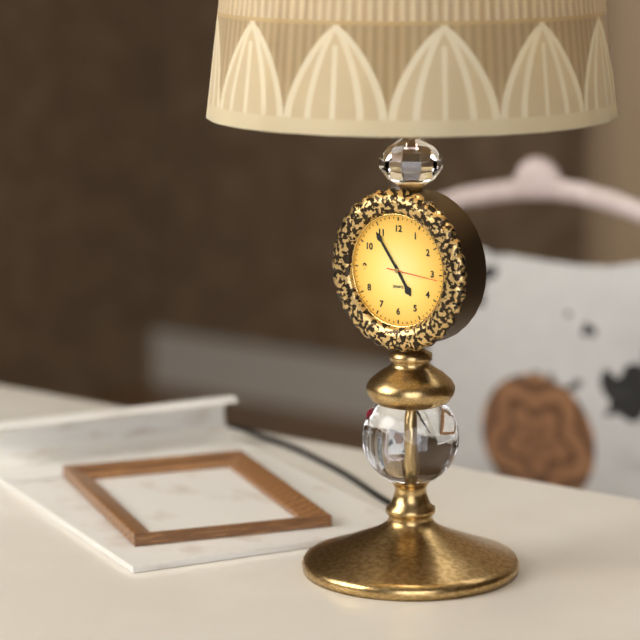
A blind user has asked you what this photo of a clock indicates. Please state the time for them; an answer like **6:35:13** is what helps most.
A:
**4:54:16**
